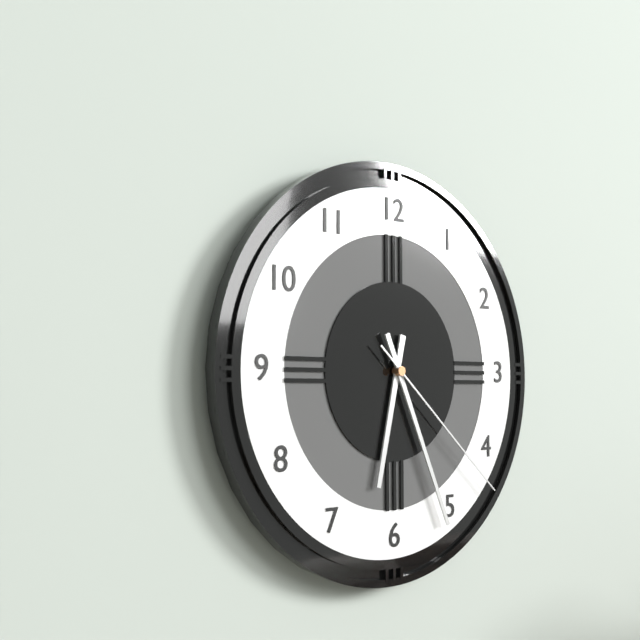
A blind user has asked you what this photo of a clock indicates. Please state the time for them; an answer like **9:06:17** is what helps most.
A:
**6:26:22**
